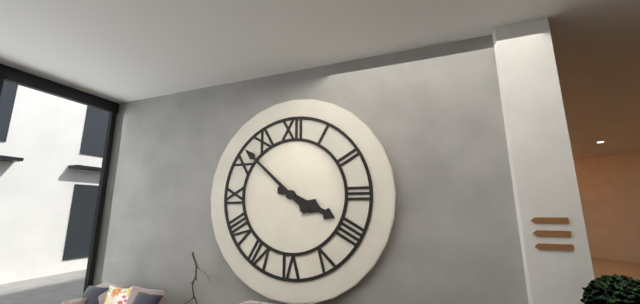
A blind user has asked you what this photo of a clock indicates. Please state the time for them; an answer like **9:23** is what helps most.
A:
**3:52**
